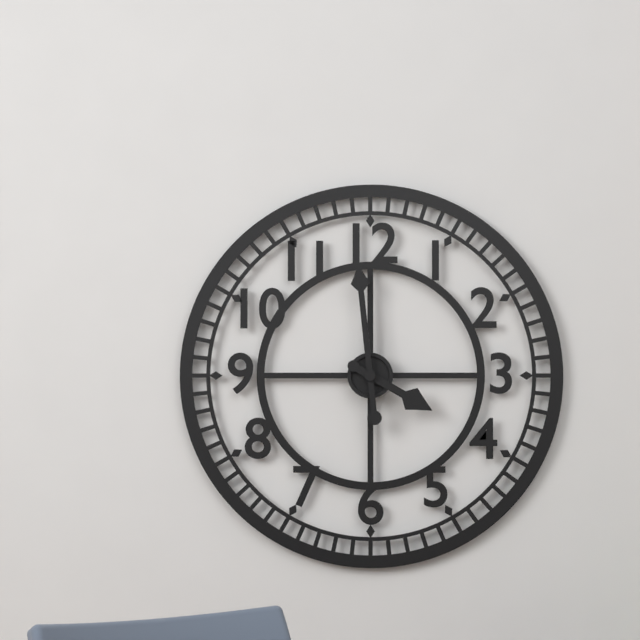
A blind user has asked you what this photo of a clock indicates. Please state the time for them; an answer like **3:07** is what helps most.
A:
**3:59**
